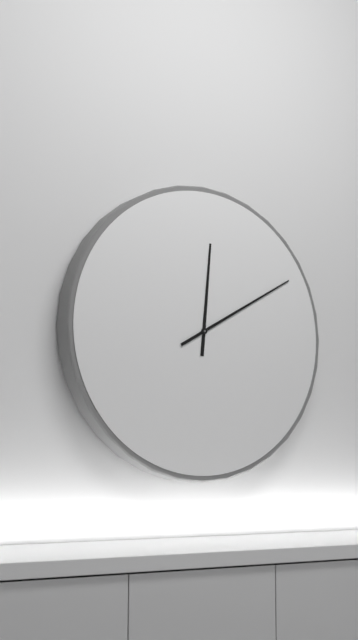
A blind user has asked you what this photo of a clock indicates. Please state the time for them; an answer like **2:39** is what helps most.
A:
**12:10**
